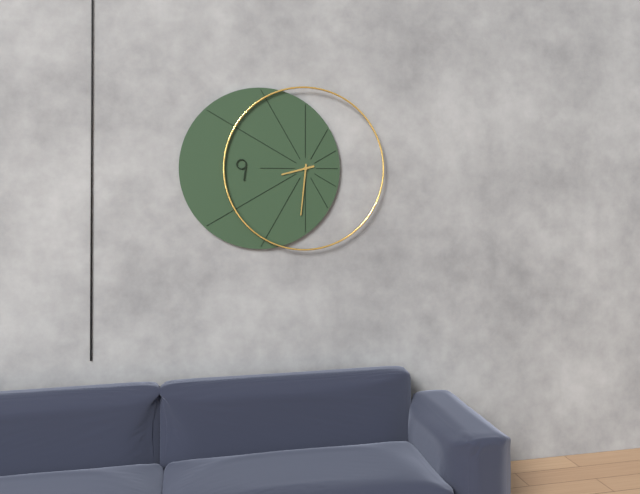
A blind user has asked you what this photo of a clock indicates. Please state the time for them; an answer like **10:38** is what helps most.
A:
**8:31**
